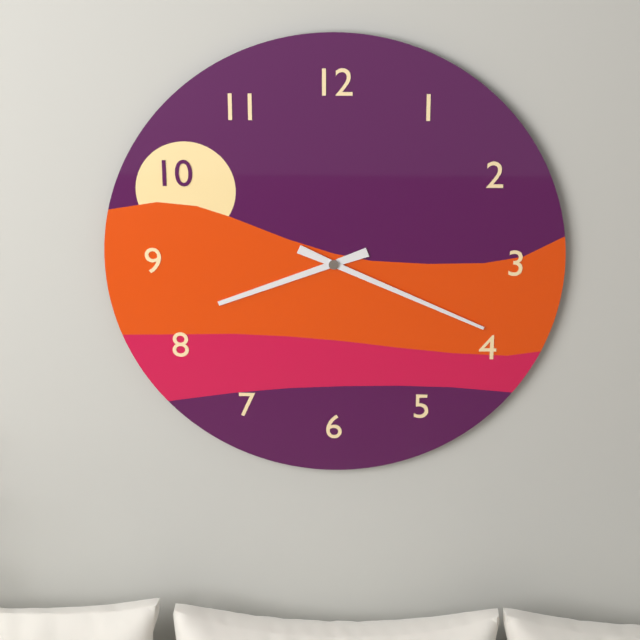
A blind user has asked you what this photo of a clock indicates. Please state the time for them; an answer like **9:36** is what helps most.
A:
**8:19**
